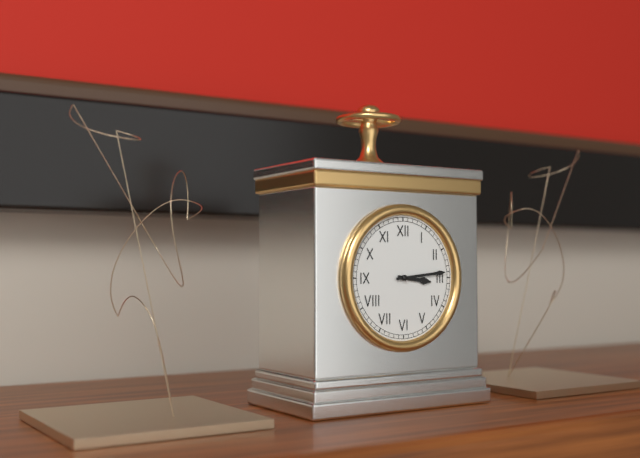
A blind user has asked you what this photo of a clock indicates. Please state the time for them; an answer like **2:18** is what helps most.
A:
**3:14**
